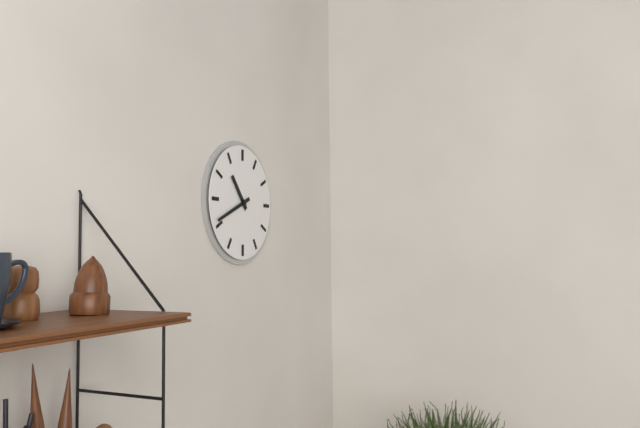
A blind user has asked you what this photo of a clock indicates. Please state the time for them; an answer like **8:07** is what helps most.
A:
**10:41**
